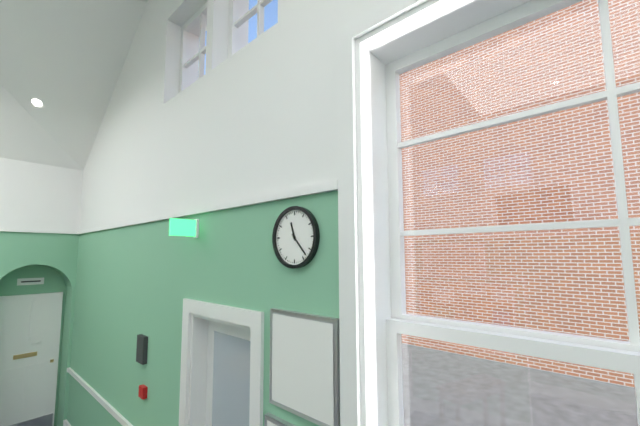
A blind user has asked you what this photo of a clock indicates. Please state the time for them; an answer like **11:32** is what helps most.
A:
**11:23**
